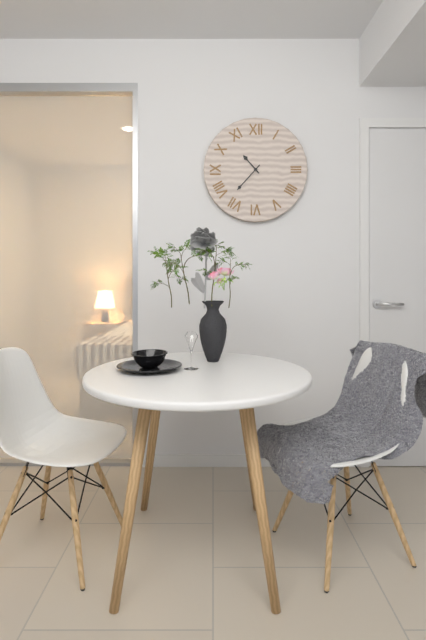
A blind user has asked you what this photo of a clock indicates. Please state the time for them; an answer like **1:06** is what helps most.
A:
**10:37**
